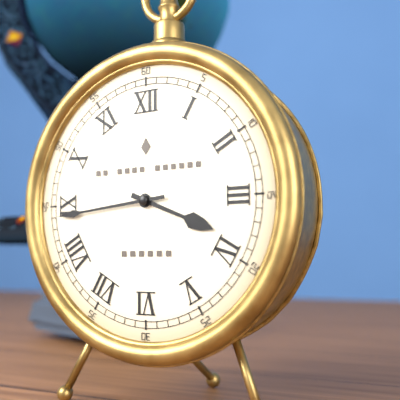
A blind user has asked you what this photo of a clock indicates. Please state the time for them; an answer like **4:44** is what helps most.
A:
**3:44**
